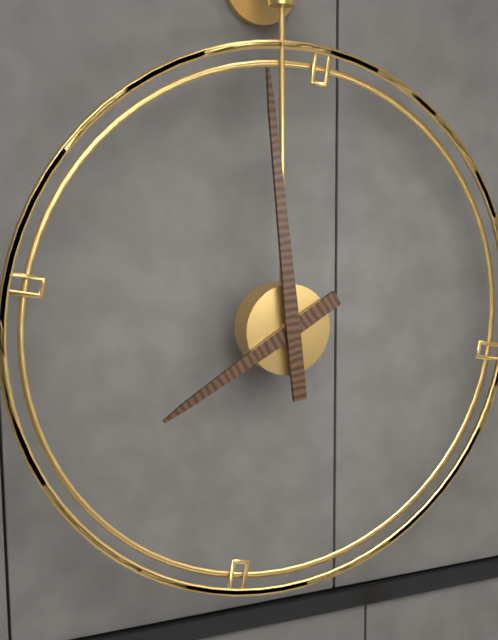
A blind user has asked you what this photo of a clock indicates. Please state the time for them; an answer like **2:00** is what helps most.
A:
**7:59**
